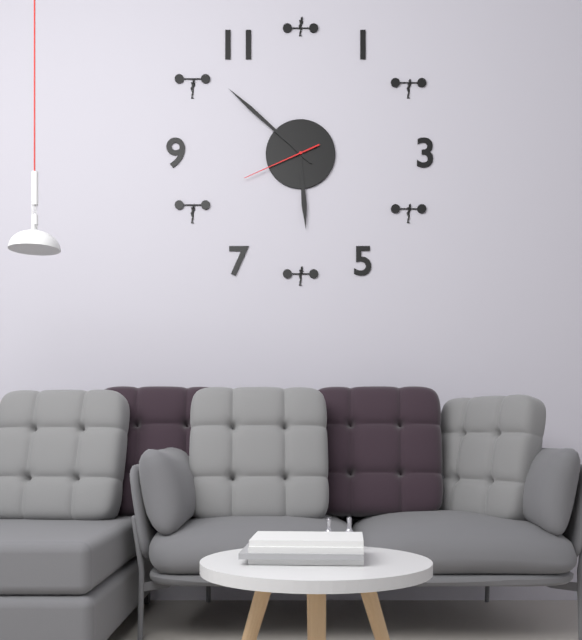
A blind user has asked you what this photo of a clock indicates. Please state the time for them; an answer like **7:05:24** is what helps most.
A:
**5:52:41**
